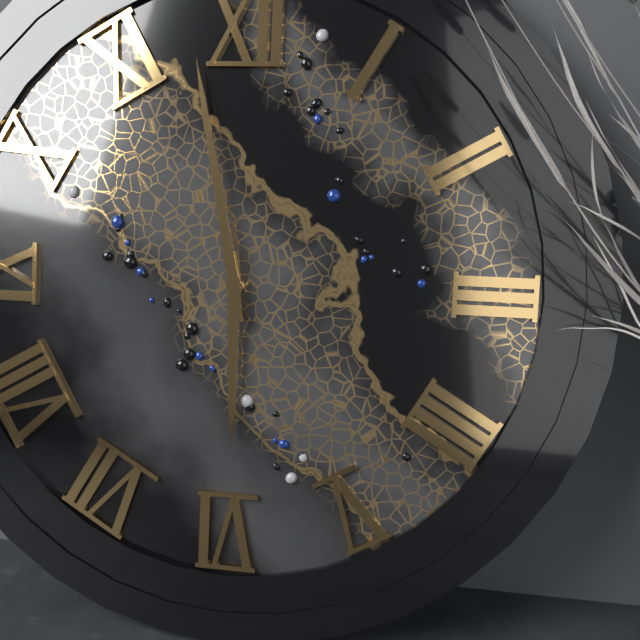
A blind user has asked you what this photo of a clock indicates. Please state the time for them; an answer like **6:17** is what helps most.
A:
**5:58**
